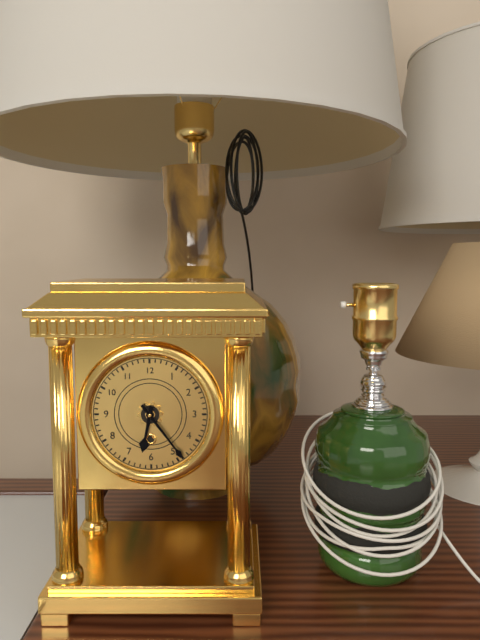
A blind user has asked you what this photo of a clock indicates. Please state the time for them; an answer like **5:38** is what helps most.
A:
**6:24**
